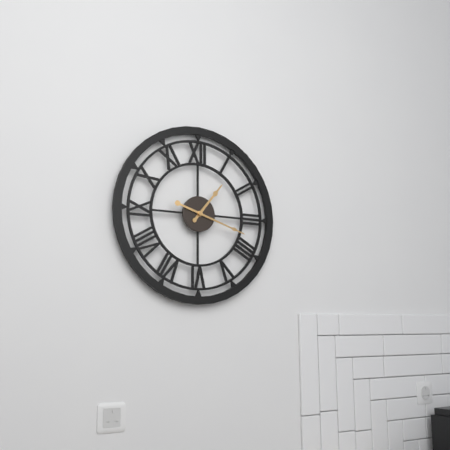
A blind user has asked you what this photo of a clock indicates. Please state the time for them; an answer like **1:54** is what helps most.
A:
**1:18**
